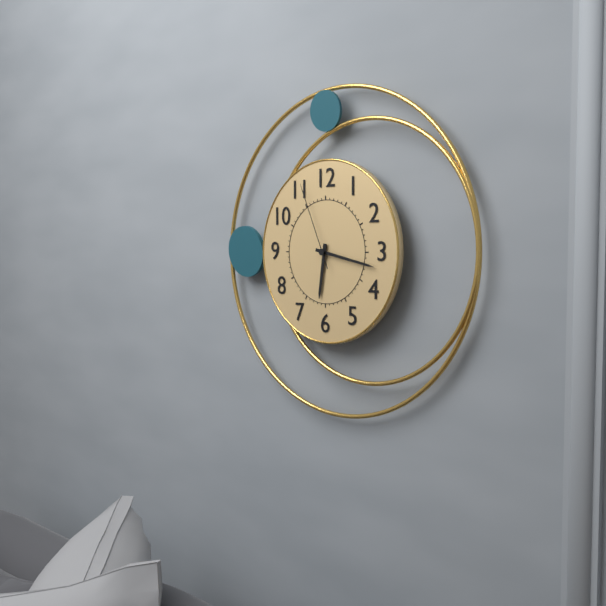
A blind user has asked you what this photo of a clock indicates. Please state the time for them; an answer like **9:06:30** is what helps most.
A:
**6:17:56**
